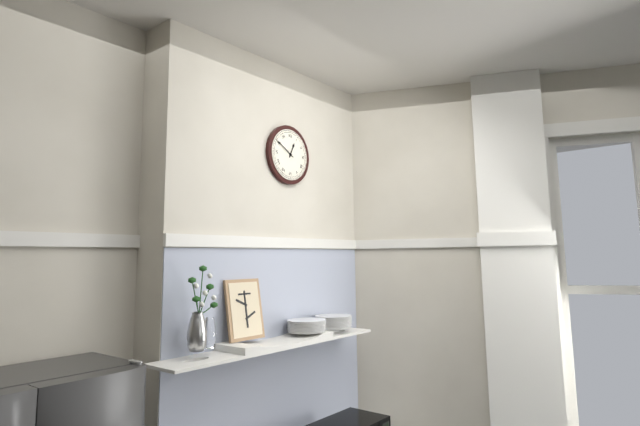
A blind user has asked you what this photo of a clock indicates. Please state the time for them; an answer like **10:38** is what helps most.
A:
**12:50**
